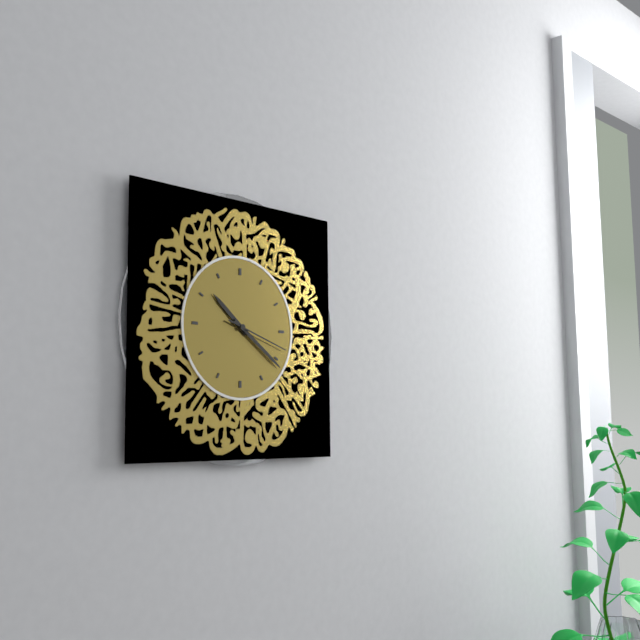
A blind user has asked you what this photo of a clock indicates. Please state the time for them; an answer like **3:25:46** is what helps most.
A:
**10:21:18**
